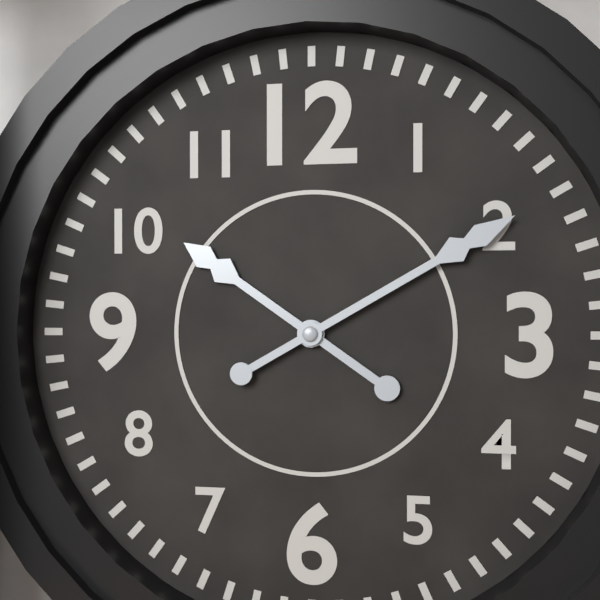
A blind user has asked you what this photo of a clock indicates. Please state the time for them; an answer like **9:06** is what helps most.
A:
**10:10**
